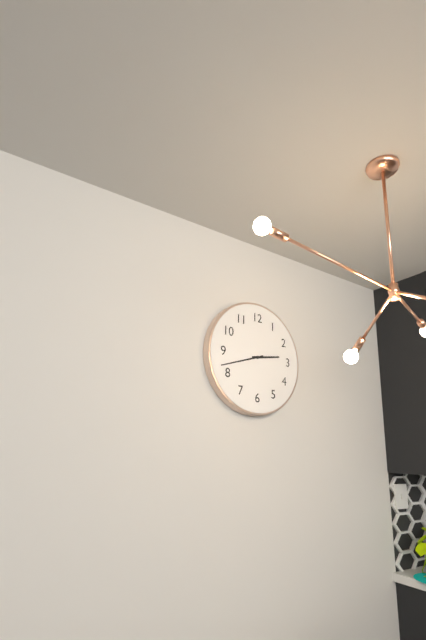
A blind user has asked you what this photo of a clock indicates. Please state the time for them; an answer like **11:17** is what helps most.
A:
**2:42**
